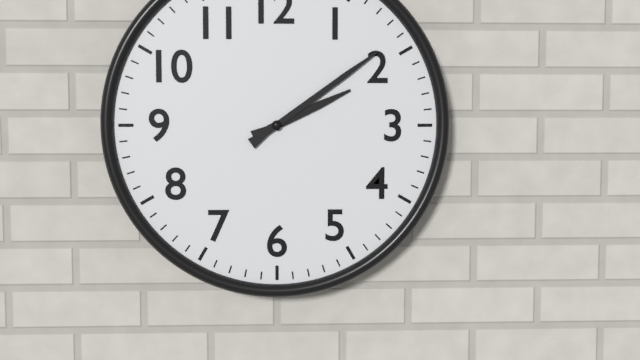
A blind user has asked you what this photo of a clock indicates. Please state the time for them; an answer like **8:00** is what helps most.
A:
**2:09**
